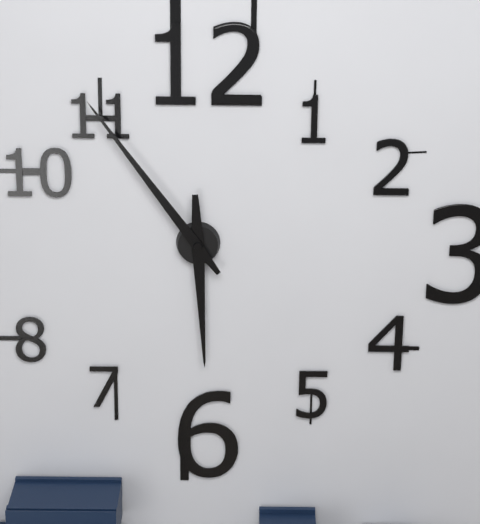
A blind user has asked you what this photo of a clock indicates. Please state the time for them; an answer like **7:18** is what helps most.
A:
**5:54**
